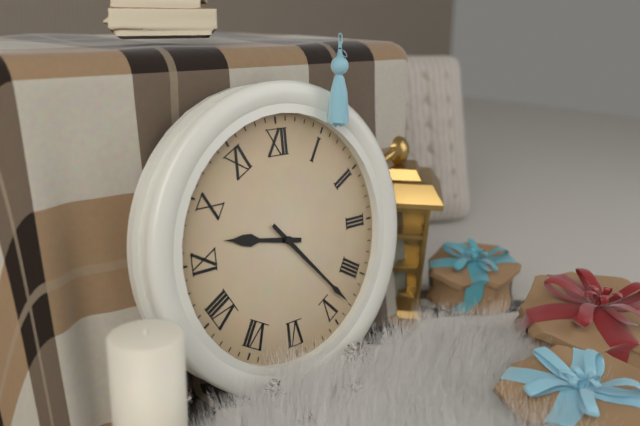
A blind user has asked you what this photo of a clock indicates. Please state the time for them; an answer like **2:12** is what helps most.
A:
**9:23**
